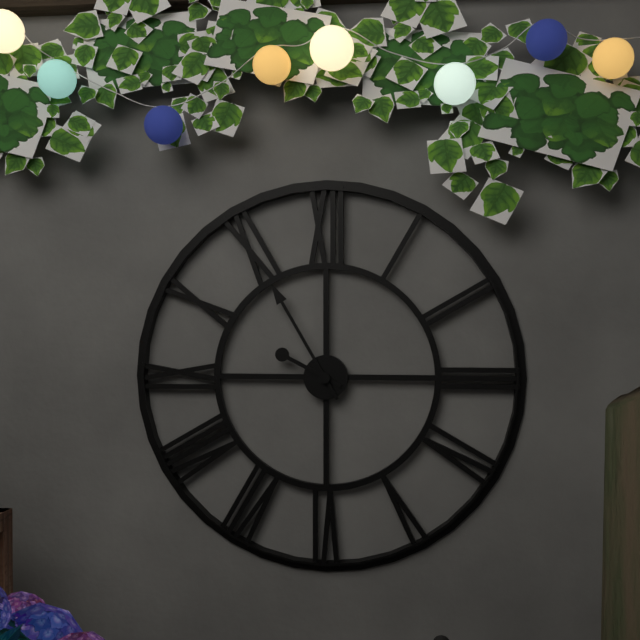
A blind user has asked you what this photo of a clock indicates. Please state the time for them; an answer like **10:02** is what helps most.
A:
**9:55**
